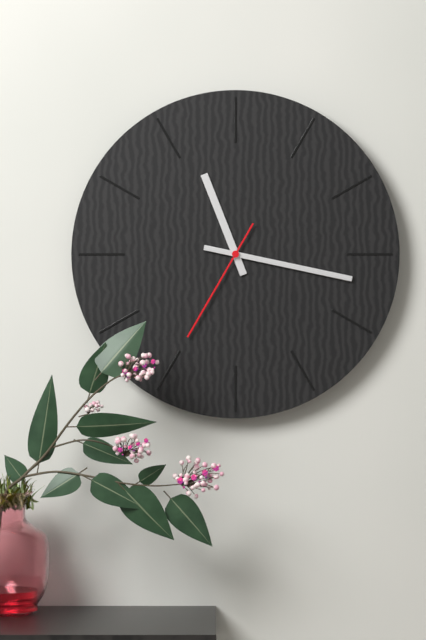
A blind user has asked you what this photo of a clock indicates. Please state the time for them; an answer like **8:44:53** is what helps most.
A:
**11:17:35**
